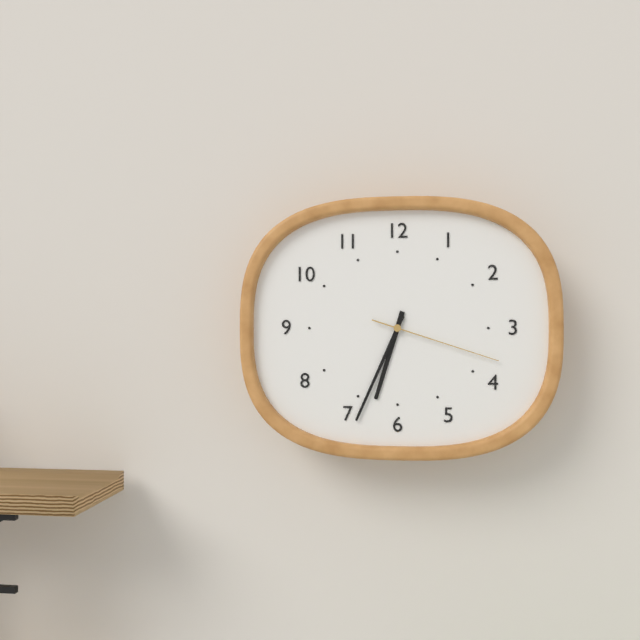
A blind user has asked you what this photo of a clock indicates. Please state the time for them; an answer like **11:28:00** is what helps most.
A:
**6:34:18**
